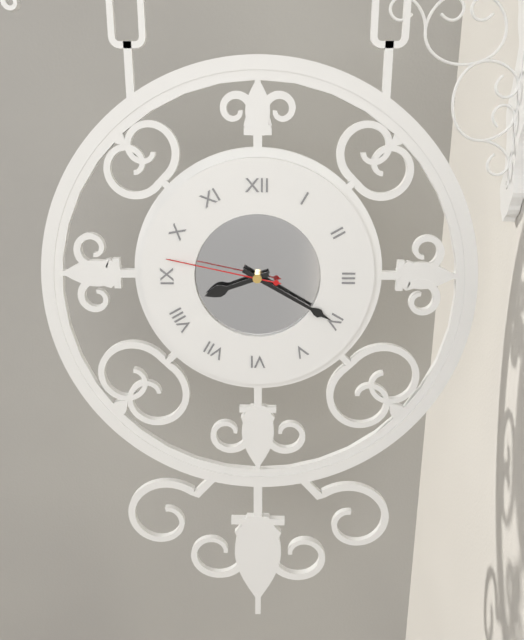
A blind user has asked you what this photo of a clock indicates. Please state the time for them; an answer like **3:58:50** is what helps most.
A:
**8:20:47**
